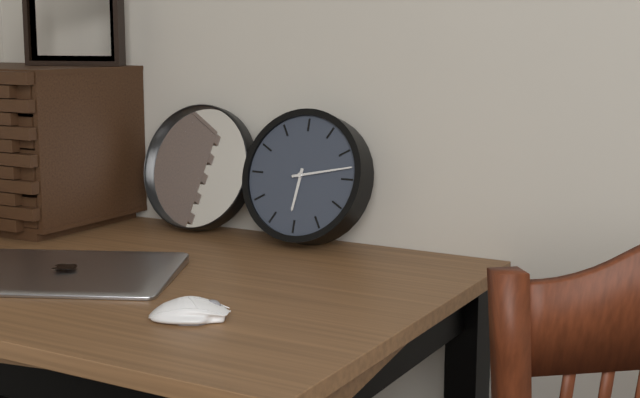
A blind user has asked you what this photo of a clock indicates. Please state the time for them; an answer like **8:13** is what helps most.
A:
**6:13**
